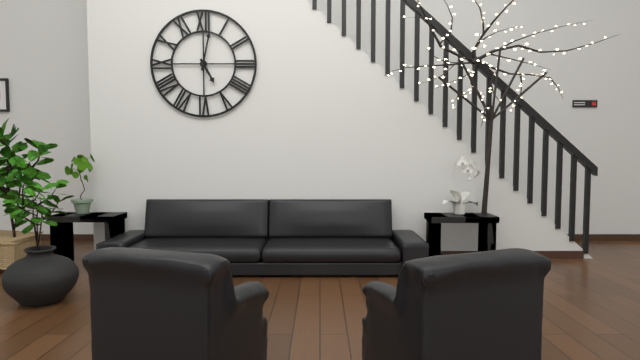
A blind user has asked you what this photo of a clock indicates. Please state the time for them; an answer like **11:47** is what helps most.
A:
**5:02**
